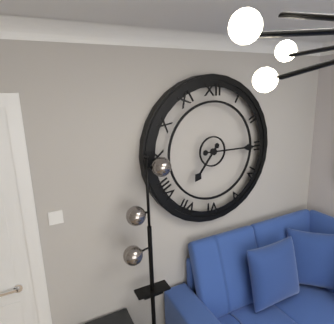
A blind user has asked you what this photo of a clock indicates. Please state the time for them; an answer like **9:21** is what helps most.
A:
**7:15**
